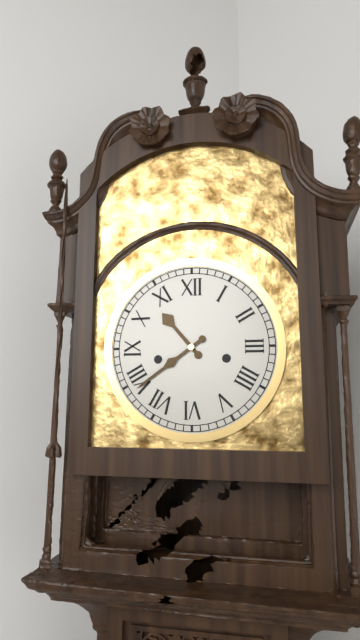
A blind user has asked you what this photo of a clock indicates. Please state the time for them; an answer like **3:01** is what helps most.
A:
**10:39**
